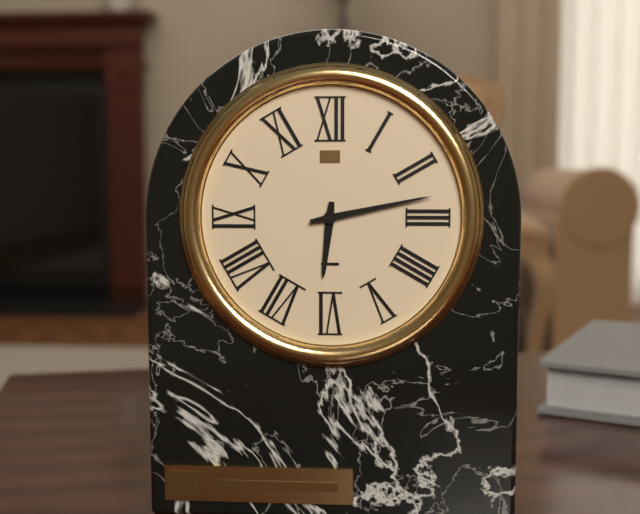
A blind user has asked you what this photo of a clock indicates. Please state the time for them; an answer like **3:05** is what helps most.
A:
**6:13**
